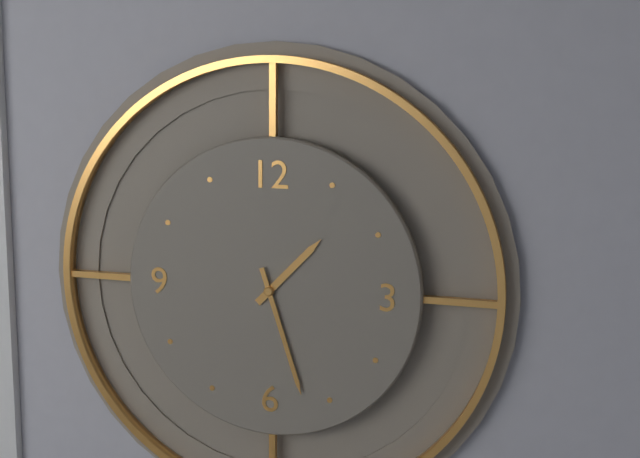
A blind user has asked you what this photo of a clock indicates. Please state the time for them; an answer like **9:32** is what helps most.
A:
**1:27**
